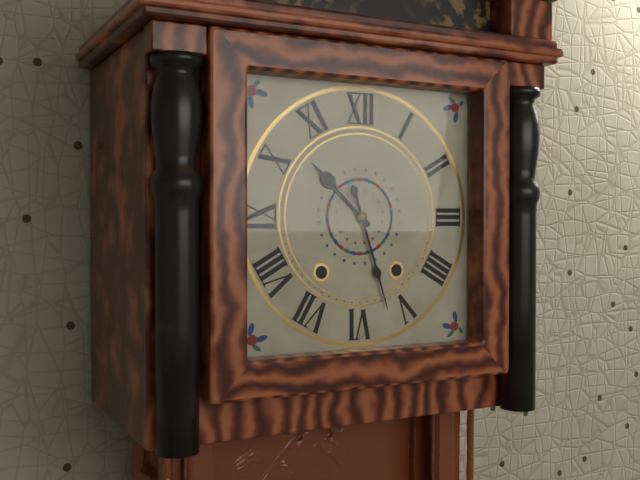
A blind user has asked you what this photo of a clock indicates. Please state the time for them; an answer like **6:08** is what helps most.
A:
**10:27**
